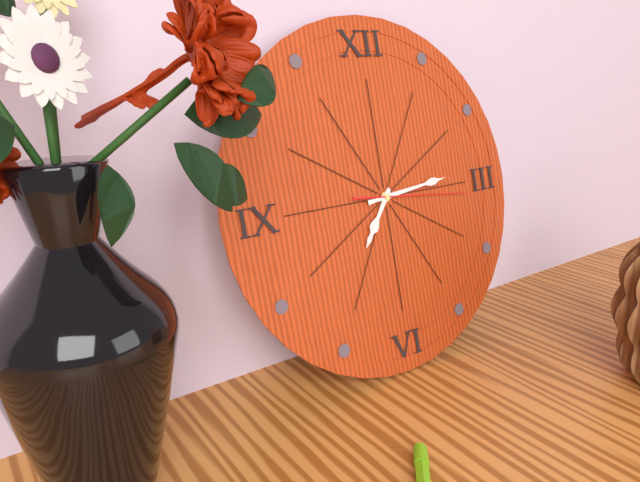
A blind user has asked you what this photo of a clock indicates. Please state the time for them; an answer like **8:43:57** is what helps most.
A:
**7:14:16**
